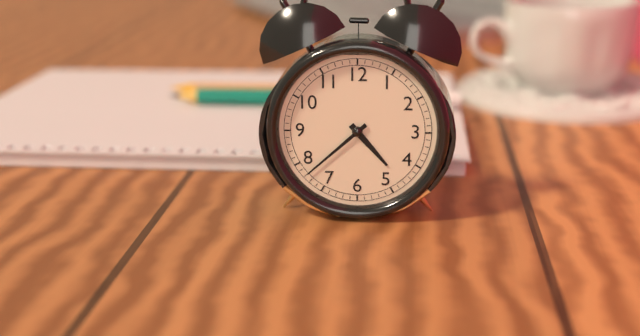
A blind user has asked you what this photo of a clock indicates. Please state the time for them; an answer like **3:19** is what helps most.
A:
**4:38**
